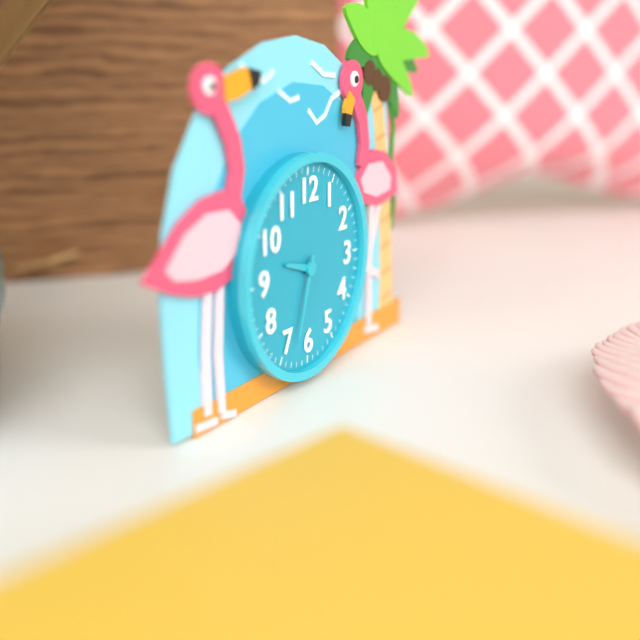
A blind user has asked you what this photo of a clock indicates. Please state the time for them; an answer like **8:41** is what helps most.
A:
**9:33**
